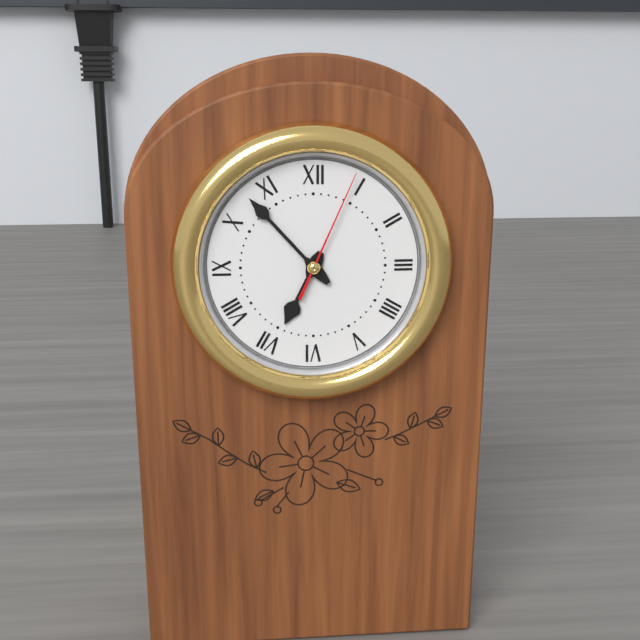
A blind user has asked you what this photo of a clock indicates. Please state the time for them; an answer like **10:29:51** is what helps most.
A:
**6:53:04**
